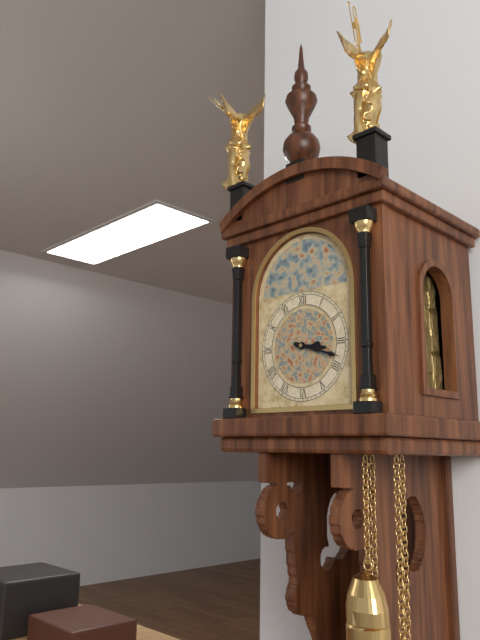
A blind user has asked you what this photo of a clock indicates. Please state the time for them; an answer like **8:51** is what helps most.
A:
**3:18**
